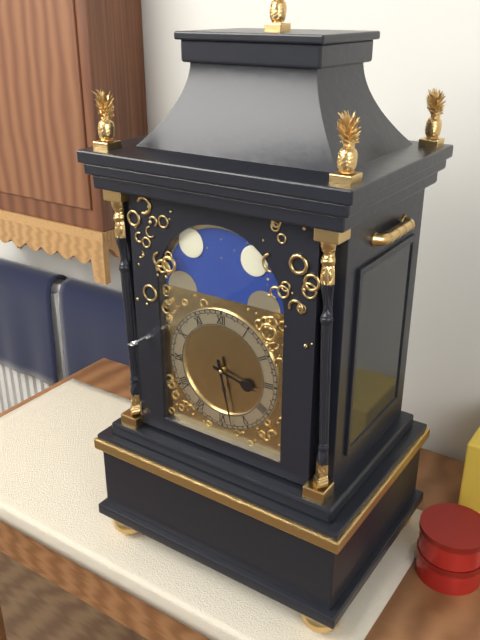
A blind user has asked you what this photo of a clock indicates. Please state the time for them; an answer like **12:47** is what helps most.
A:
**3:28**
